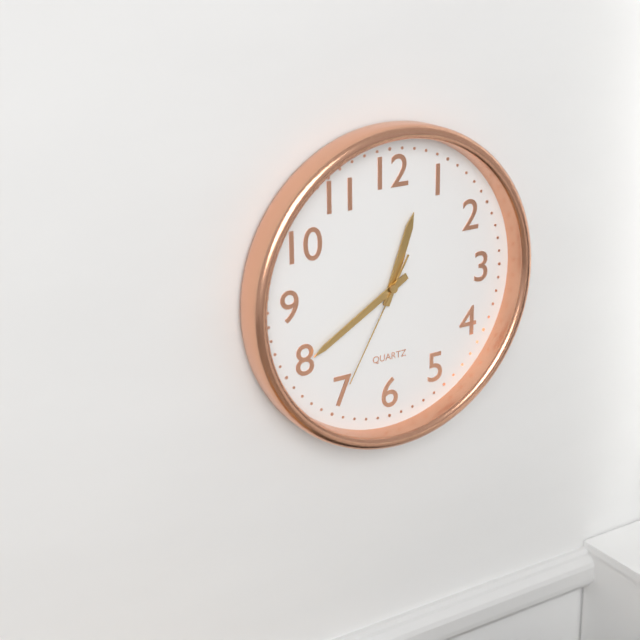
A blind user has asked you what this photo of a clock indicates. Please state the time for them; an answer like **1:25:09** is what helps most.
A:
**12:40:35**
